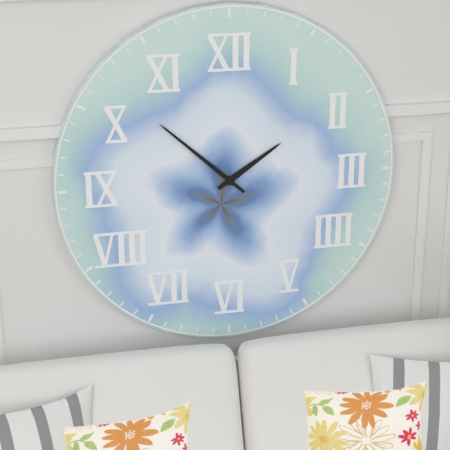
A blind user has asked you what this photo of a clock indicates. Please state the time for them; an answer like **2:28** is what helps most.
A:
**1:52**
